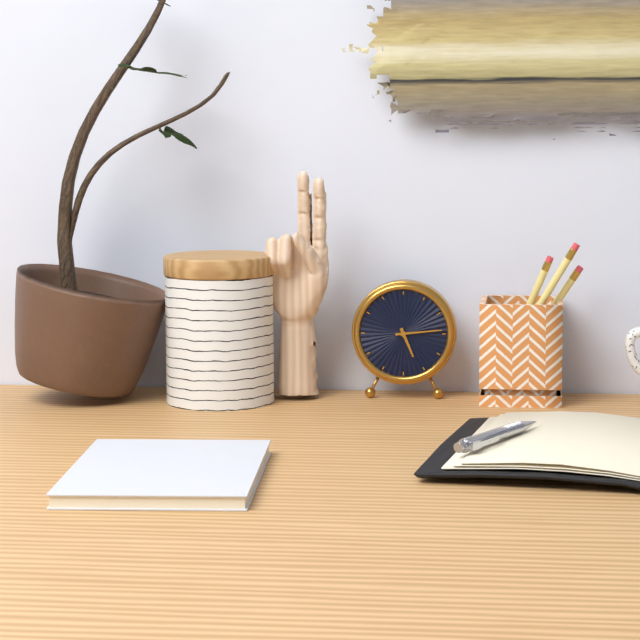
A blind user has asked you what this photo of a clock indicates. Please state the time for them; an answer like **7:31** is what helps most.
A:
**5:14**
